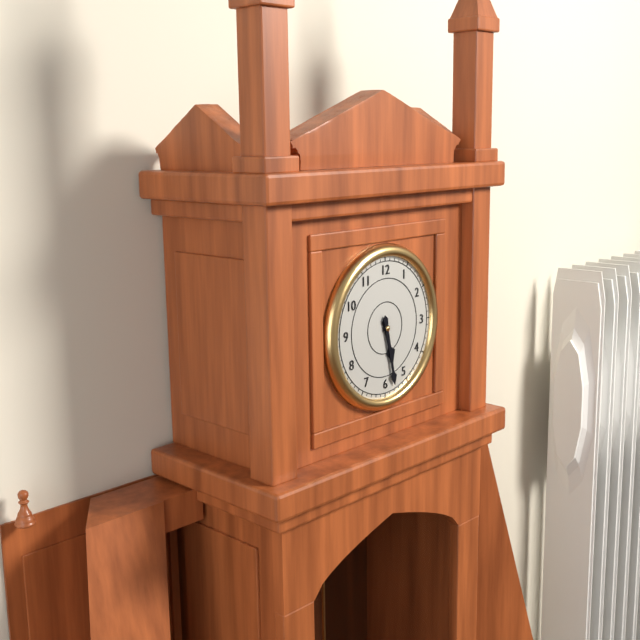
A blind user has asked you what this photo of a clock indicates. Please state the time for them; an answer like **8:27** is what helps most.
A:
**5:28**
